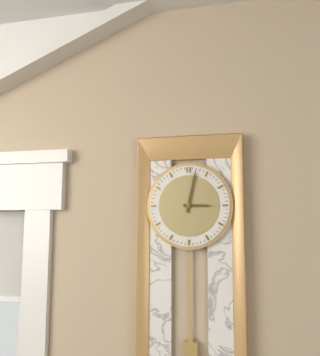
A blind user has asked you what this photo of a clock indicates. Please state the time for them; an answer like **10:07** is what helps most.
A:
**3:02**
